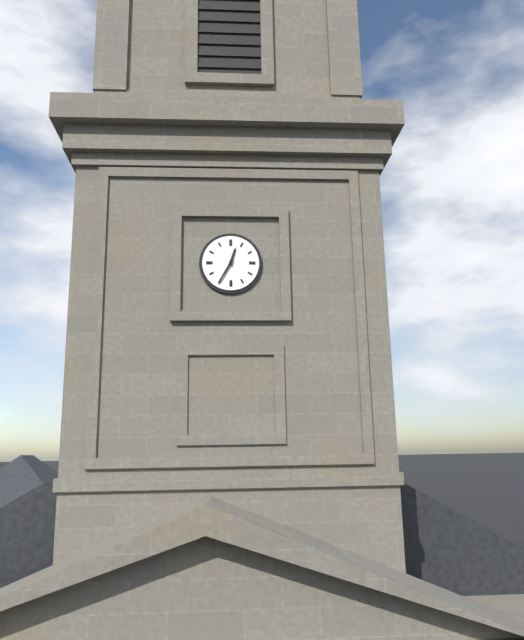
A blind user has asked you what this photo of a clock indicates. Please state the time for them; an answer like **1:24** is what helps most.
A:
**12:35**
